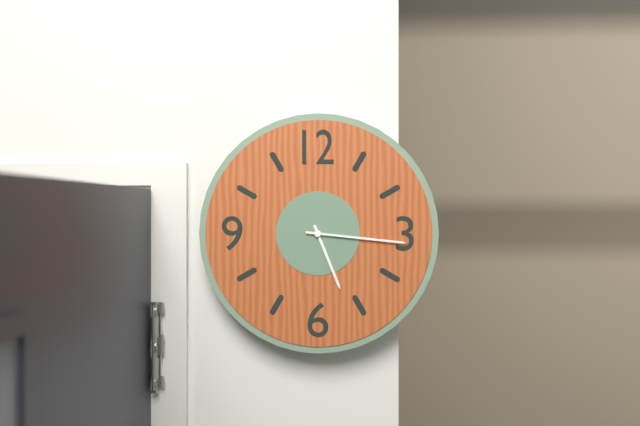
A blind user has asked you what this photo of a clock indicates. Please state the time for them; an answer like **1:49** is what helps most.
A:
**5:16**
